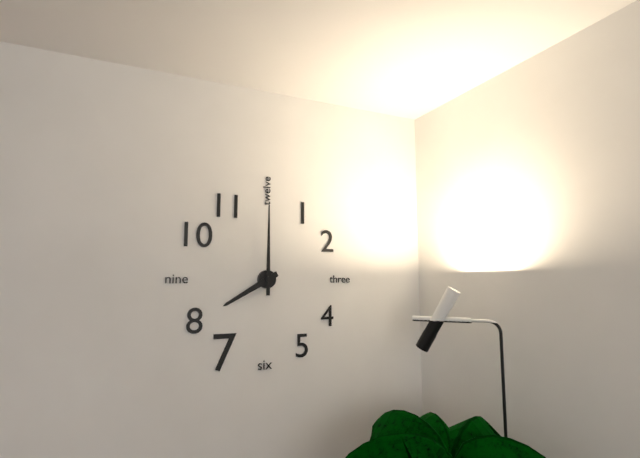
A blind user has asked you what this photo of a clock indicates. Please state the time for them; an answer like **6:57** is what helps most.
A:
**8:00**
